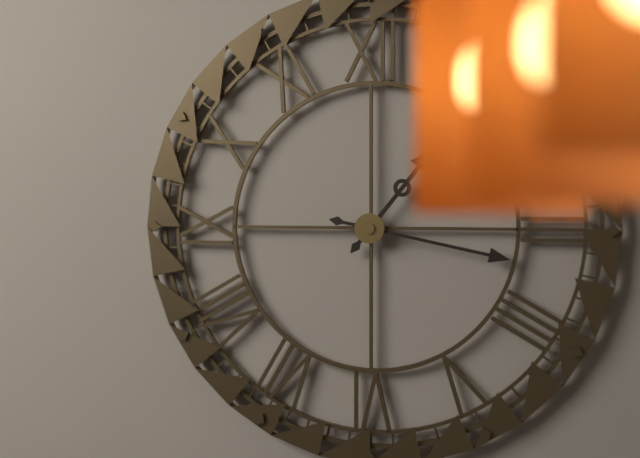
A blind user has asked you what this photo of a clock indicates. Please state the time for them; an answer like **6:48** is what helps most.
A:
**1:17**
